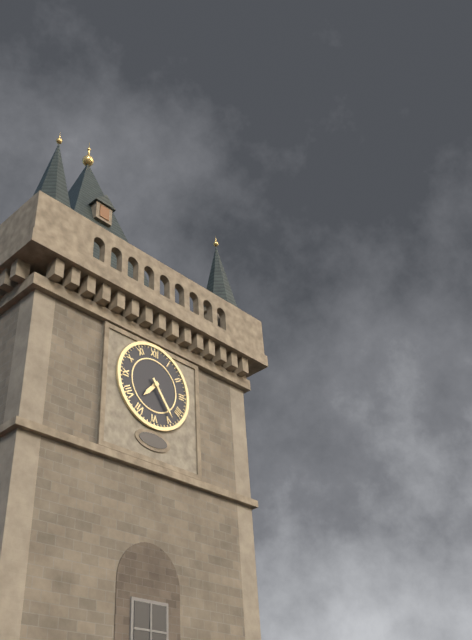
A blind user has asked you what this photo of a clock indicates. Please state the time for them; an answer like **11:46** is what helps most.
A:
**7:24**
